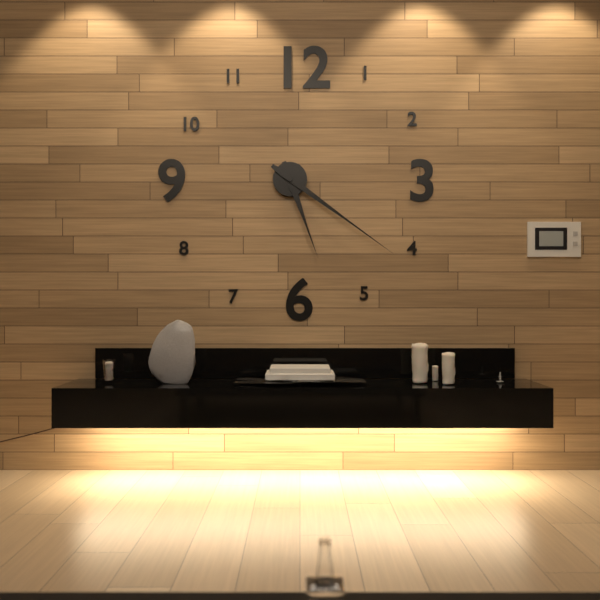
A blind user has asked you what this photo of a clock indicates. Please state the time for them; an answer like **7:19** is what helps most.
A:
**5:21**
